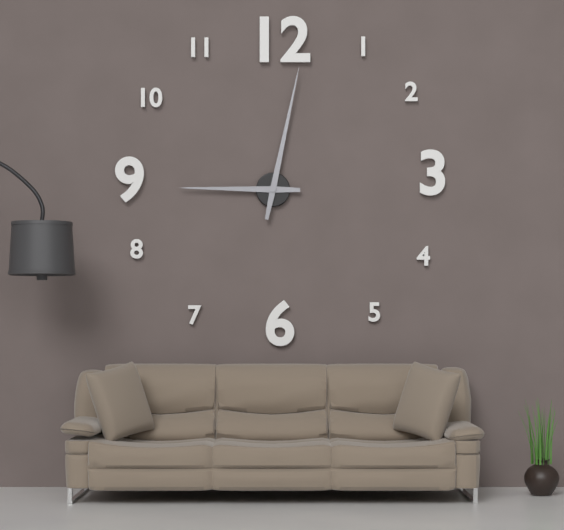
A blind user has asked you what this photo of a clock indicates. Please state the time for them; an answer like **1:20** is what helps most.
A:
**9:02**
